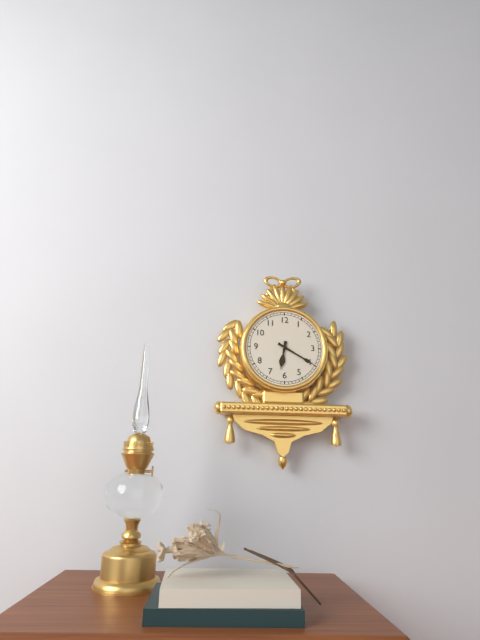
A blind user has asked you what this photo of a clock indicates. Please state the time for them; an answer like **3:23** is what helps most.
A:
**6:20**
